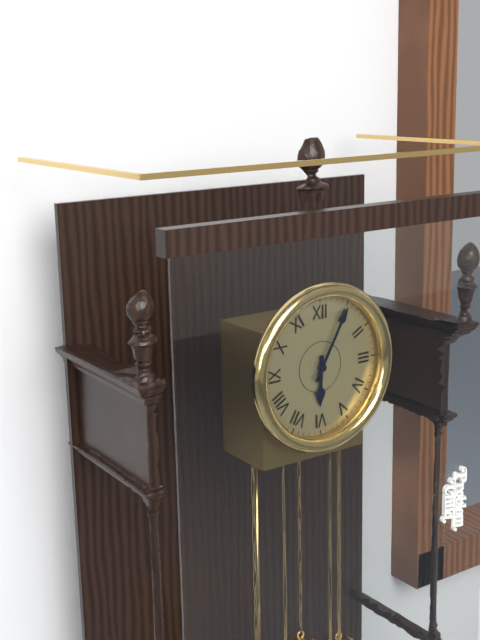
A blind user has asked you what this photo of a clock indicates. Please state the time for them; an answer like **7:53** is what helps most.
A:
**6:05**
